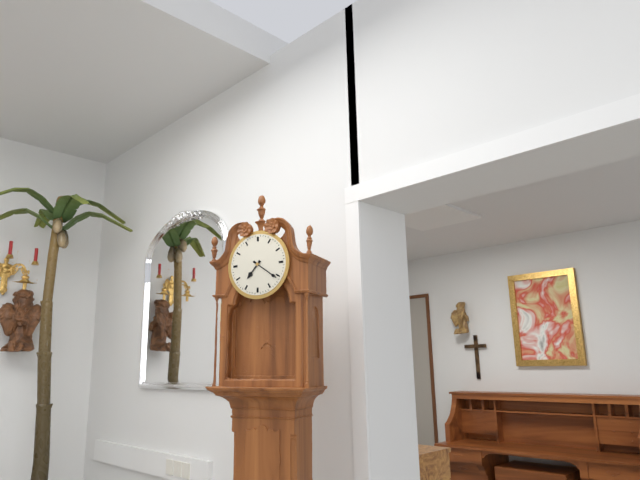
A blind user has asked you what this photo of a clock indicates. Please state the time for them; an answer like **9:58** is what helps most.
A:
**7:21**
